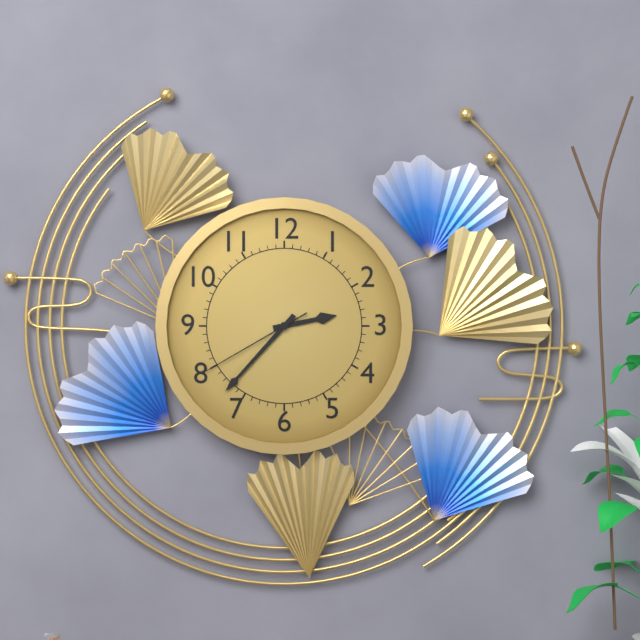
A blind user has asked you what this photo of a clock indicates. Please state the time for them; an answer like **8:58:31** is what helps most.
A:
**2:37:40**
